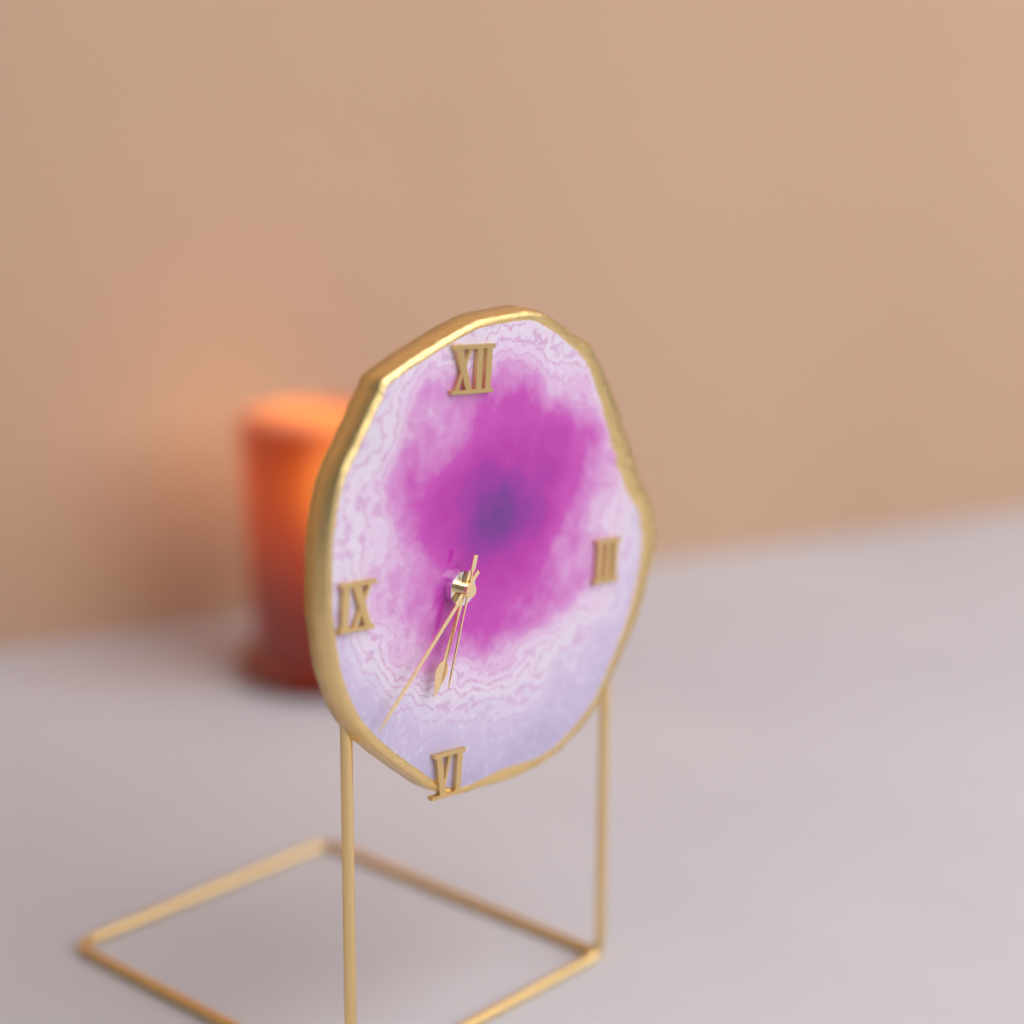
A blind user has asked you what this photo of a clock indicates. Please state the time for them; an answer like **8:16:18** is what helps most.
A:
**6:37:32**
